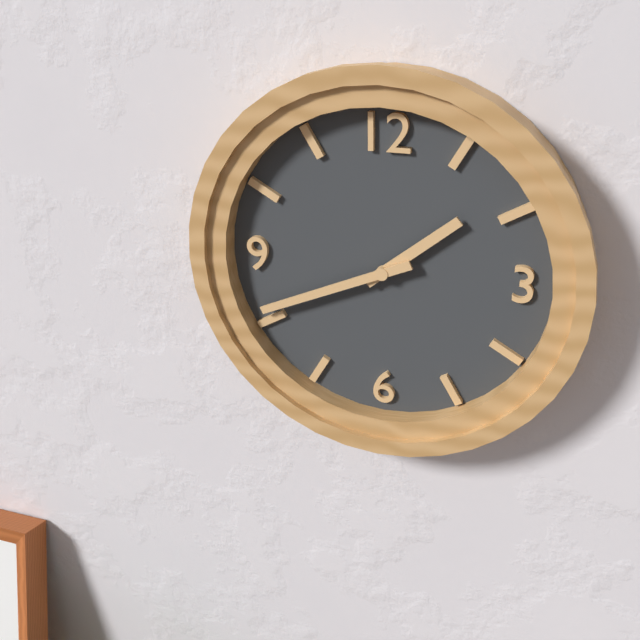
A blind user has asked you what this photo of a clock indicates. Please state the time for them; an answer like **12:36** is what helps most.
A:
**1:41**
